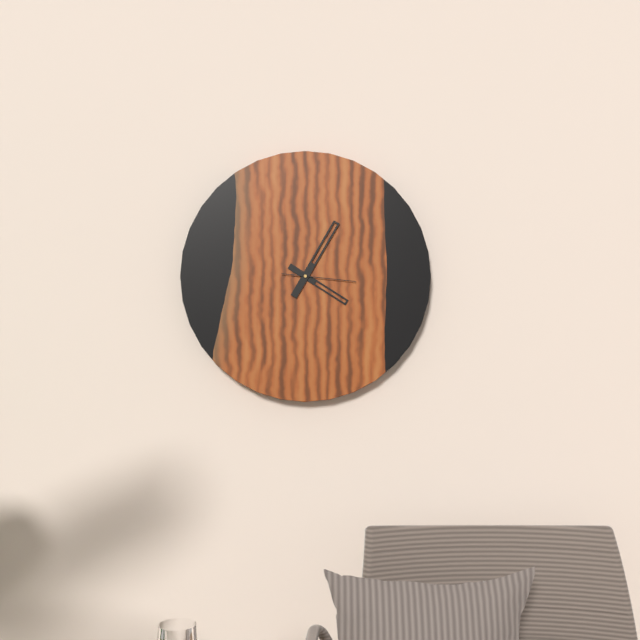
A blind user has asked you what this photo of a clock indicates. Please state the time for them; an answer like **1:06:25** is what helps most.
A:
**4:05:16**
